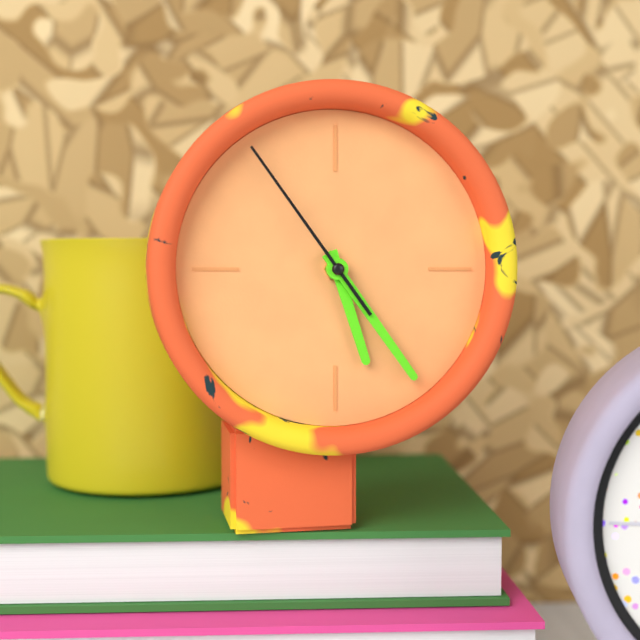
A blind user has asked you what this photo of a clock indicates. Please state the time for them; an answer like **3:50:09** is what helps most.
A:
**5:24:54**
